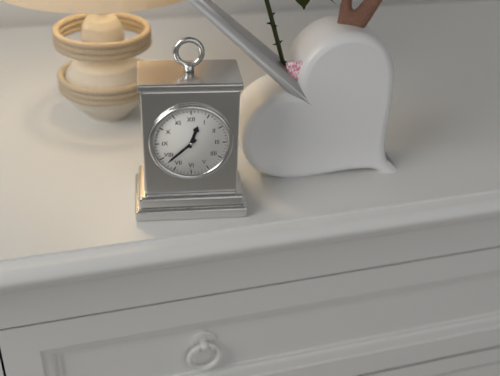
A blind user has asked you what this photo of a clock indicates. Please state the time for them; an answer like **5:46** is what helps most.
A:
**12:38**
